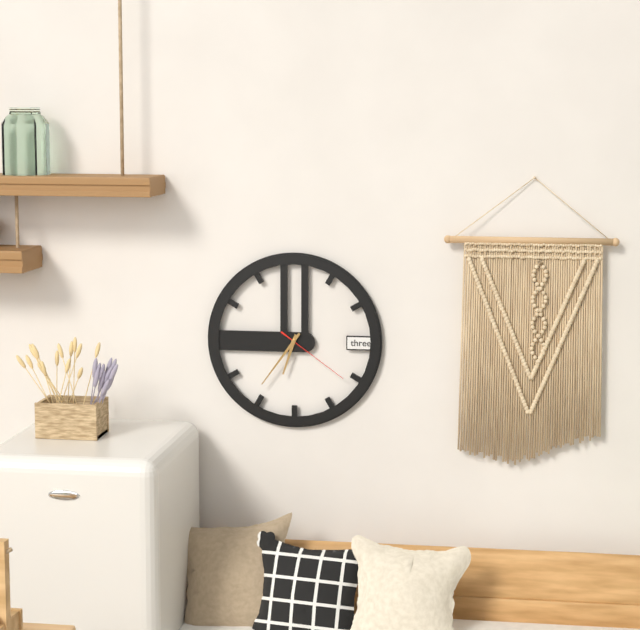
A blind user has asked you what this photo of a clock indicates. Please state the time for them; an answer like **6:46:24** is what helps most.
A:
**6:36:21**
